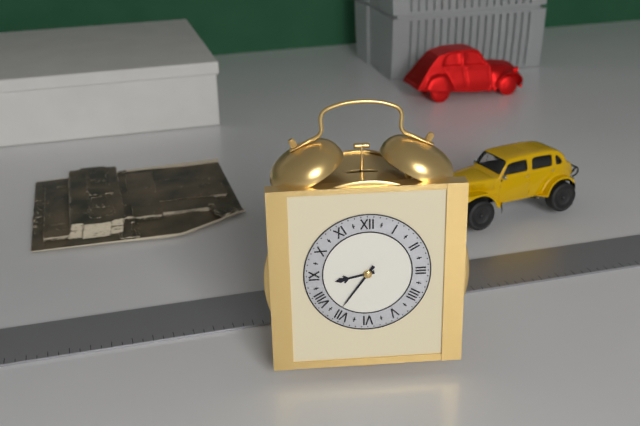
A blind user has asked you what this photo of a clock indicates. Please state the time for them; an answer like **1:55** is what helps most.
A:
**8:36**
